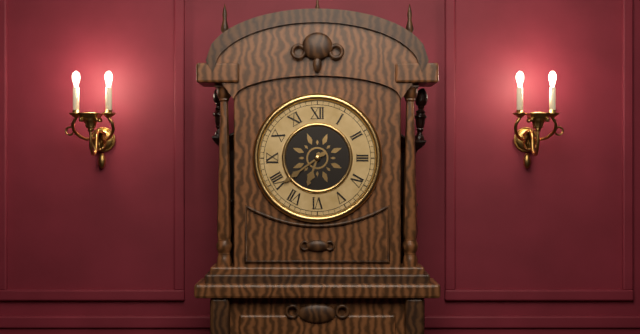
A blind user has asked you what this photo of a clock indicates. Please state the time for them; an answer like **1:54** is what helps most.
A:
**6:39**
